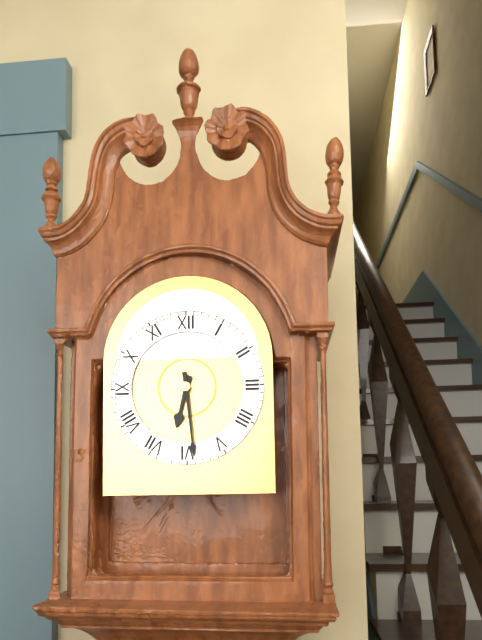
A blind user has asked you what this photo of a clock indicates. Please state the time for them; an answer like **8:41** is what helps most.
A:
**6:29**
